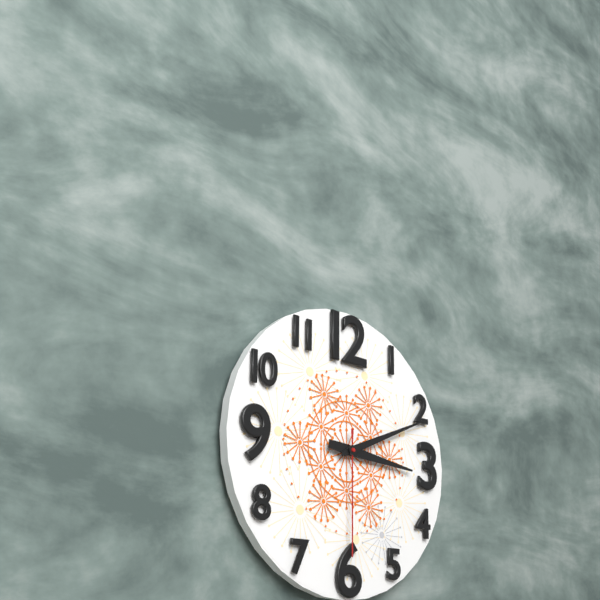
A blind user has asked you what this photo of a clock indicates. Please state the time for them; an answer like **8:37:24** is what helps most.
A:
**3:11:30**
